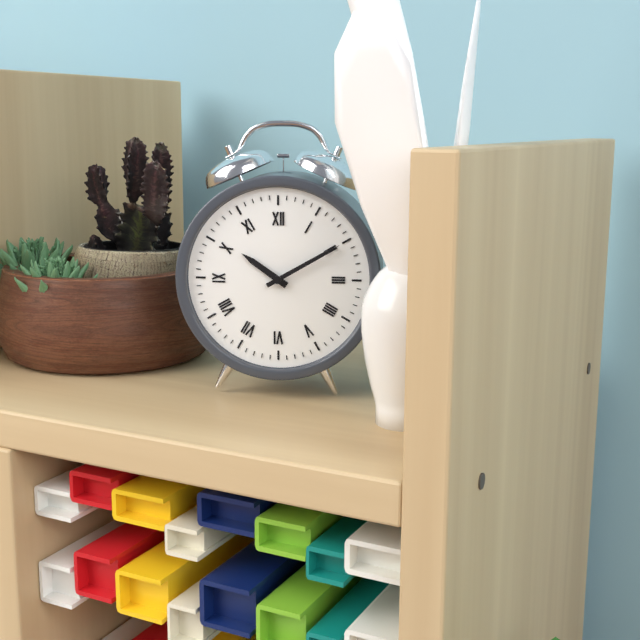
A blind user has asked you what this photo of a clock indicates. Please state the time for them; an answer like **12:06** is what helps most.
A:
**10:10**
